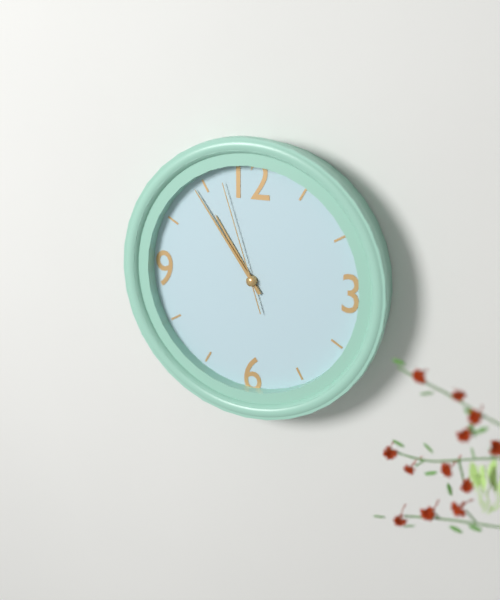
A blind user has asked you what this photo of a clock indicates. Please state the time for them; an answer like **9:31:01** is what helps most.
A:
**10:54:57**
